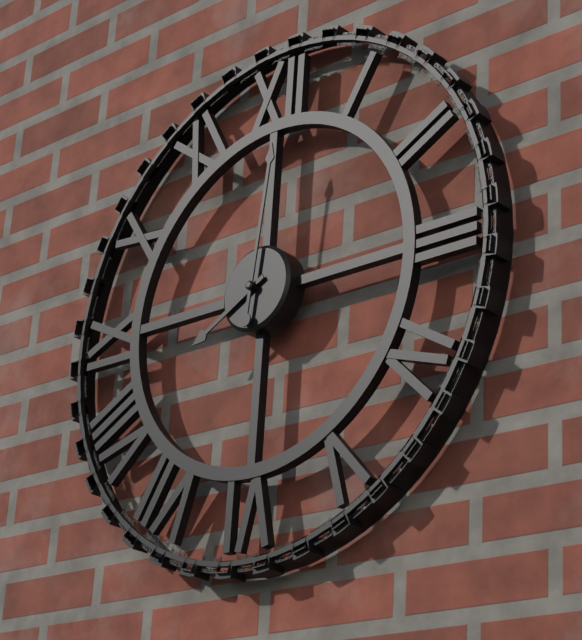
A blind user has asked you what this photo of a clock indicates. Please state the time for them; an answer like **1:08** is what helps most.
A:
**8:01**
